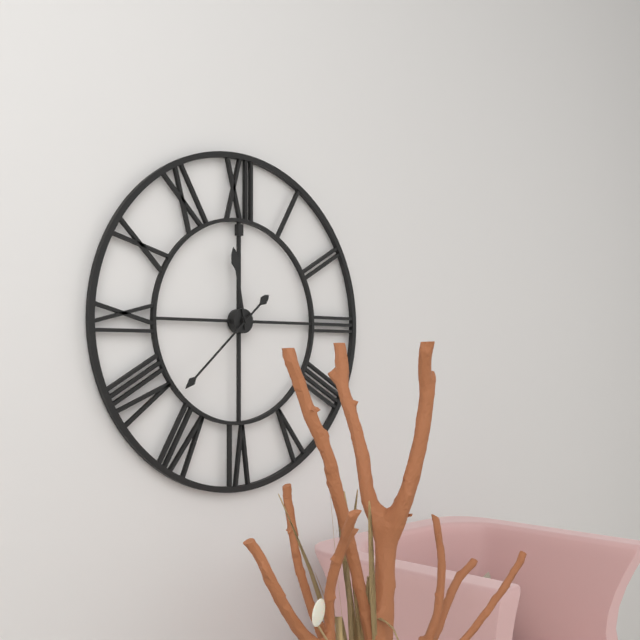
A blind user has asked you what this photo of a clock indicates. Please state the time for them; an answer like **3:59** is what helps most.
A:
**11:38**
